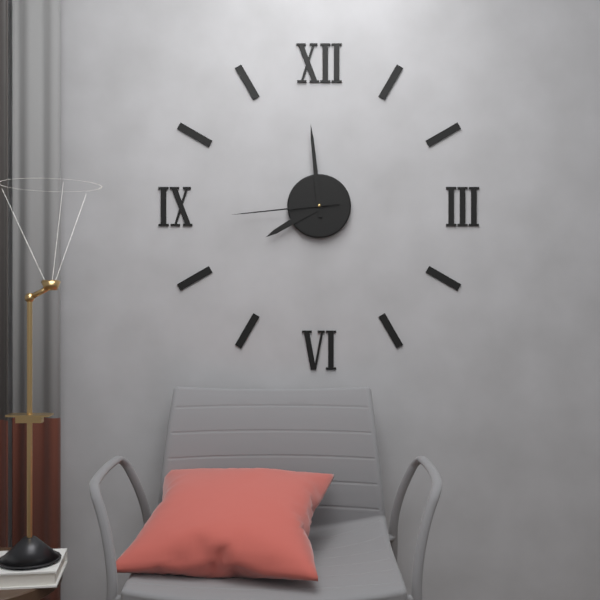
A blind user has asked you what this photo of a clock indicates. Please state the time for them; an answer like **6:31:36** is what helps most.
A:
**7:59:44**
